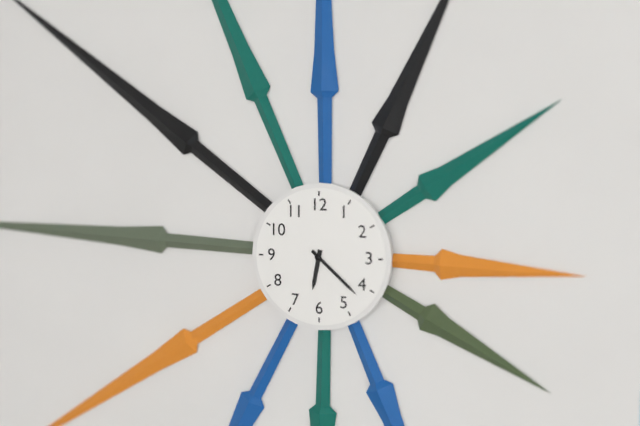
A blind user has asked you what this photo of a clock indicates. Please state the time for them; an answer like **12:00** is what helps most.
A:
**6:22**
